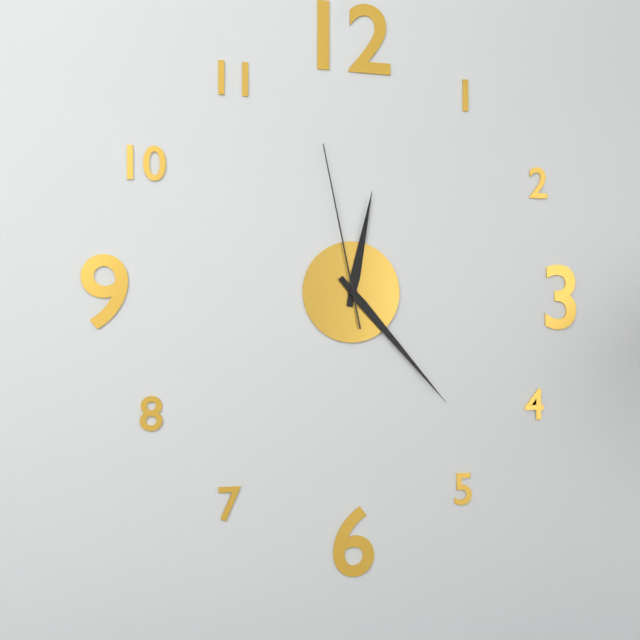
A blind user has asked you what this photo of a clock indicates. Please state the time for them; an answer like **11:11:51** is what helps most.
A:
**12:23:58**
